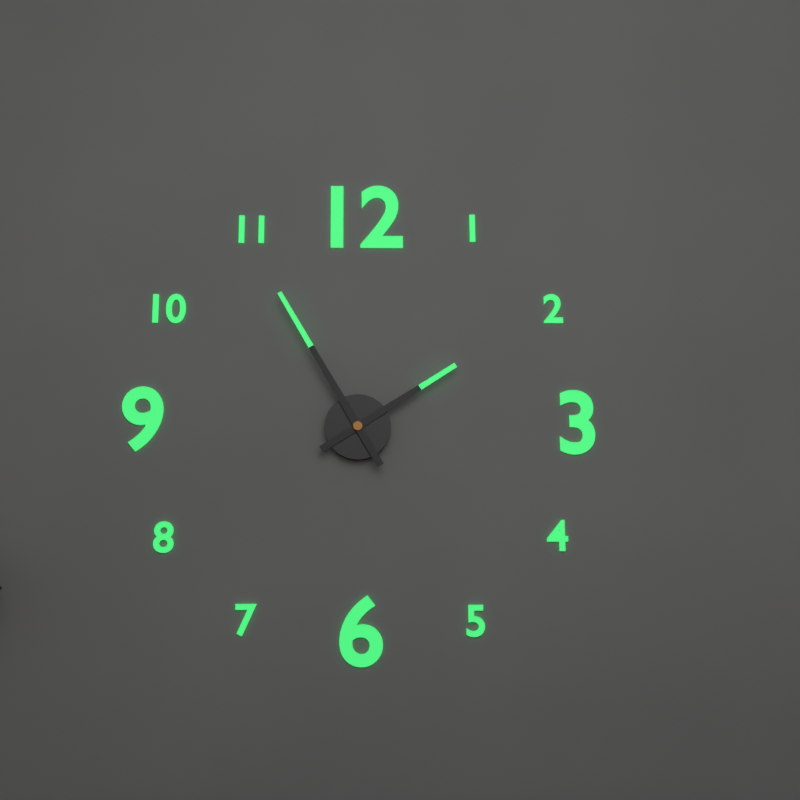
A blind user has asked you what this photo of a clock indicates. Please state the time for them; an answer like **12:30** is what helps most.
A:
**1:55**
